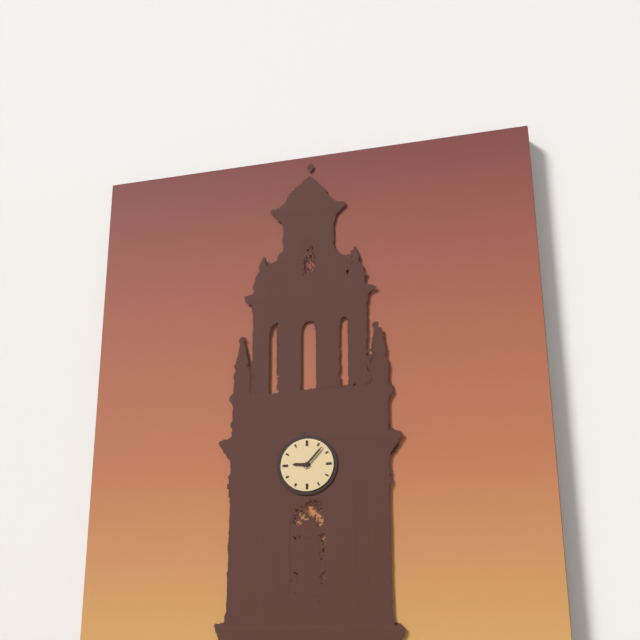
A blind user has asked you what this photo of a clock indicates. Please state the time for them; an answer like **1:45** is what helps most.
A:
**9:07**
